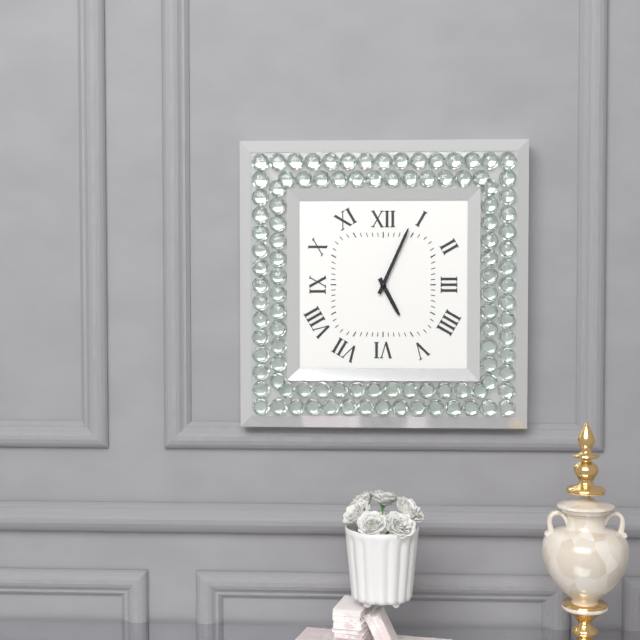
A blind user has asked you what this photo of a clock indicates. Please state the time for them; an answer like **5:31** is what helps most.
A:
**5:04**
